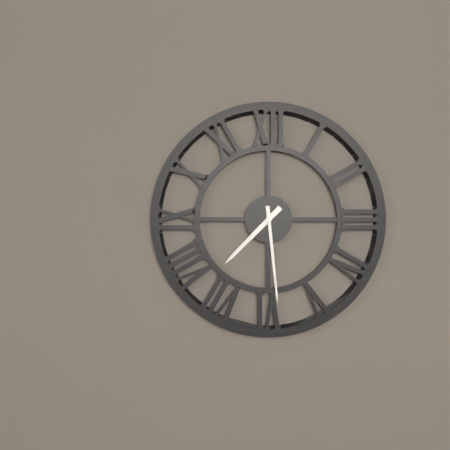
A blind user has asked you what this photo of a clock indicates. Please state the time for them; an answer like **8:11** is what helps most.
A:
**7:29**
